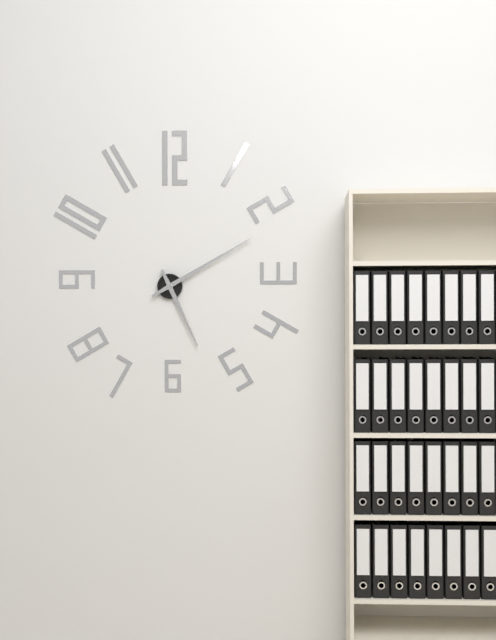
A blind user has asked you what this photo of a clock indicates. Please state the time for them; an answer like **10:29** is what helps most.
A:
**5:10**
